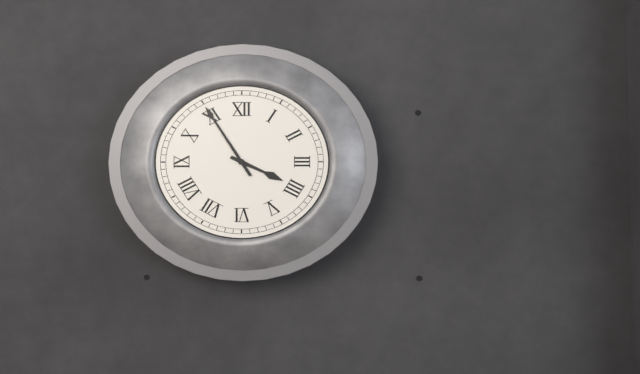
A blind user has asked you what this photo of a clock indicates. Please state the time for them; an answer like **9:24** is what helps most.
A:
**3:55**
